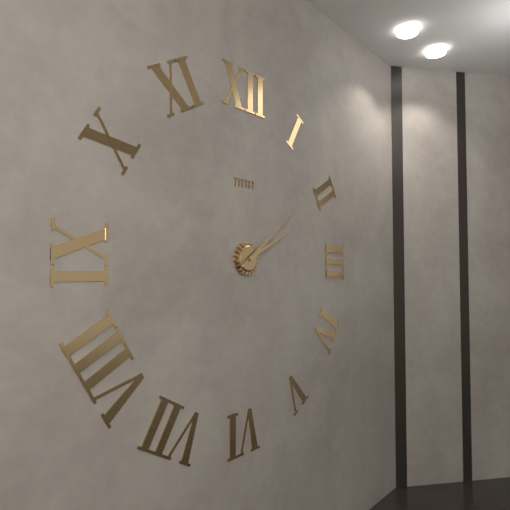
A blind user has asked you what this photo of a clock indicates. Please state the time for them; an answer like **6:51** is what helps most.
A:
**2:09**
